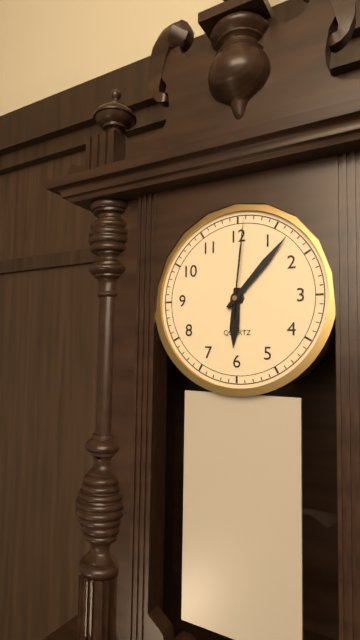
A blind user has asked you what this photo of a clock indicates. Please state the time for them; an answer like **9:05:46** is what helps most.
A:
**6:07:01**
